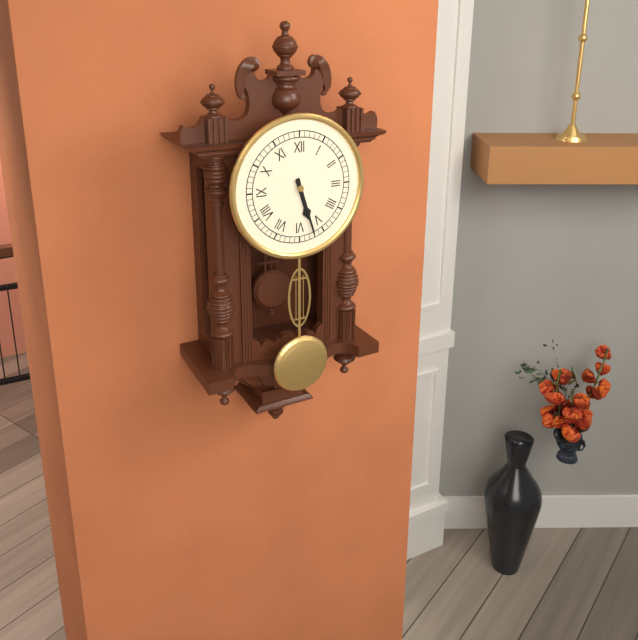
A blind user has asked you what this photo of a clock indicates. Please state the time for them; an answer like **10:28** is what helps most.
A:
**5:27**
